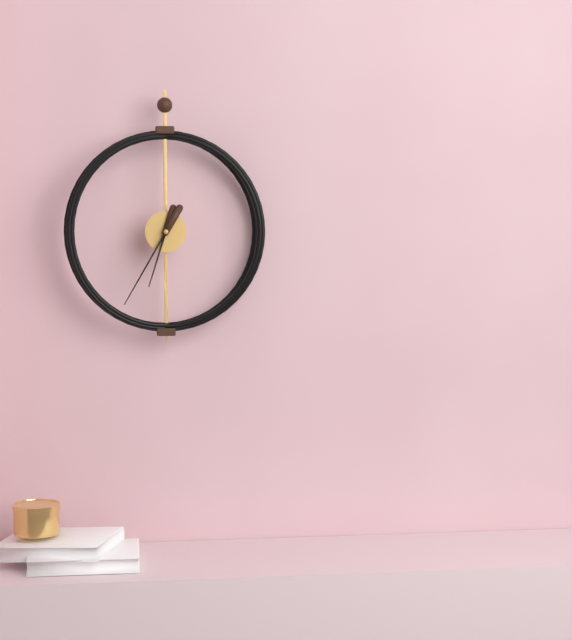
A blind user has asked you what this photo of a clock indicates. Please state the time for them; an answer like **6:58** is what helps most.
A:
**6:35**
